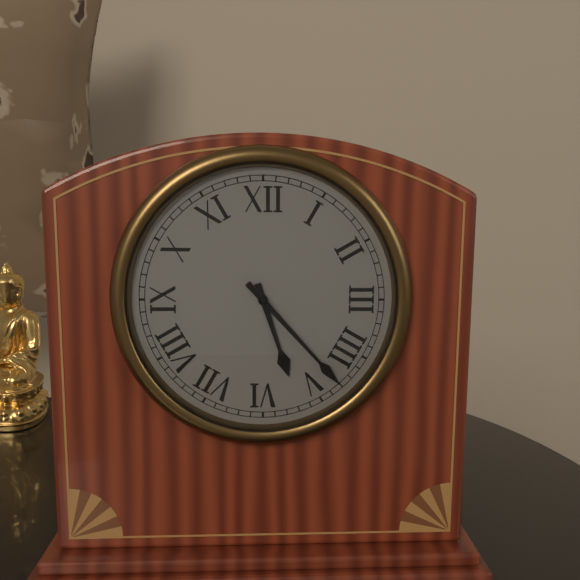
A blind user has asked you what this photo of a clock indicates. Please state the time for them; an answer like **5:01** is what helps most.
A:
**5:23**
